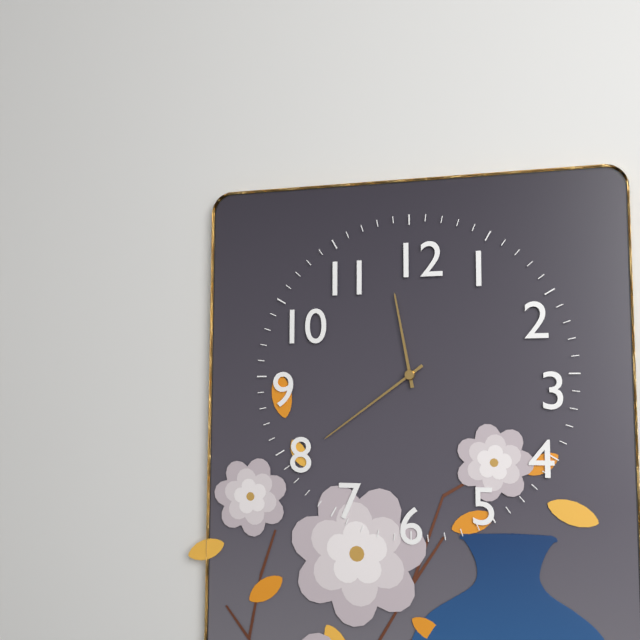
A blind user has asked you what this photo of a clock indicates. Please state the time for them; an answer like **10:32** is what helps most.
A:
**11:39**
